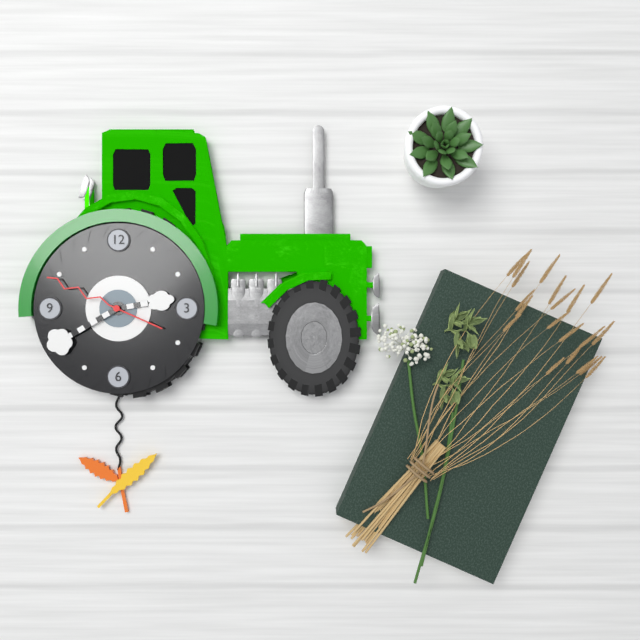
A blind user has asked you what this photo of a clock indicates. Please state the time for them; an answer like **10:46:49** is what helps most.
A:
**2:40:49**
